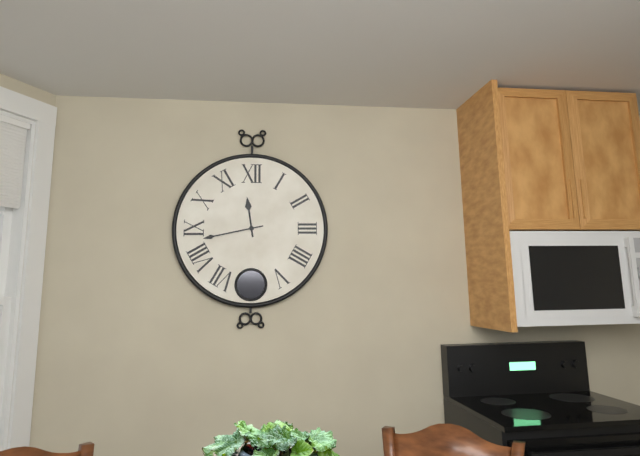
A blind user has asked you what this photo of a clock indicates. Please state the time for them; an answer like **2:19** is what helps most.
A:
**11:43**
